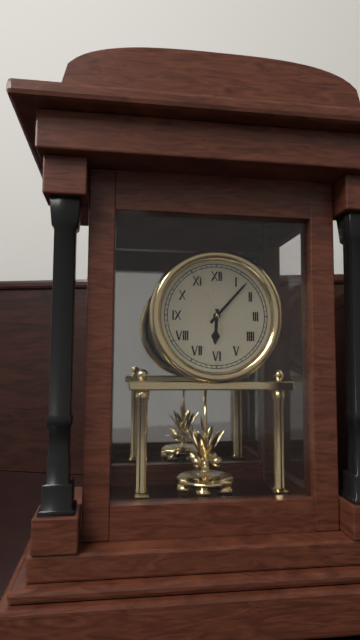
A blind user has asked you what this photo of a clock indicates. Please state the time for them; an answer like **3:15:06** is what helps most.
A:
**6:07:56**
